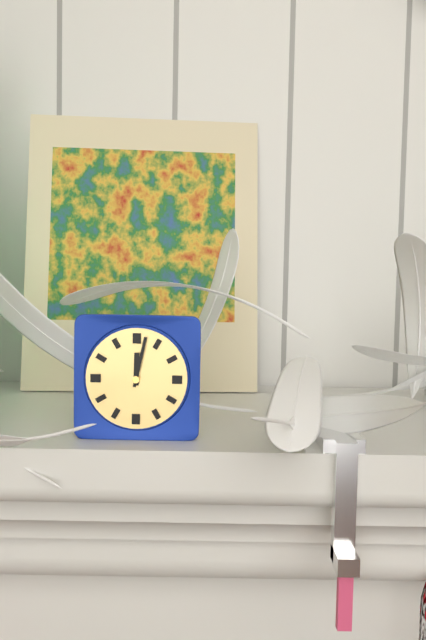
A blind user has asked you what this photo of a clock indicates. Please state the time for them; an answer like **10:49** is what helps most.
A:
**12:02**
